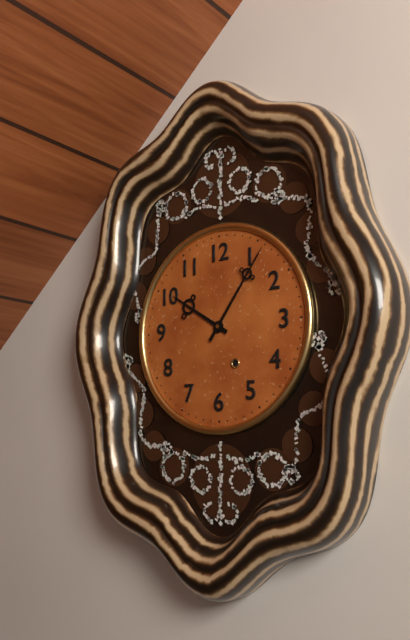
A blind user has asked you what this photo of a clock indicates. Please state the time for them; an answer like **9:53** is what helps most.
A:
**10:06**
